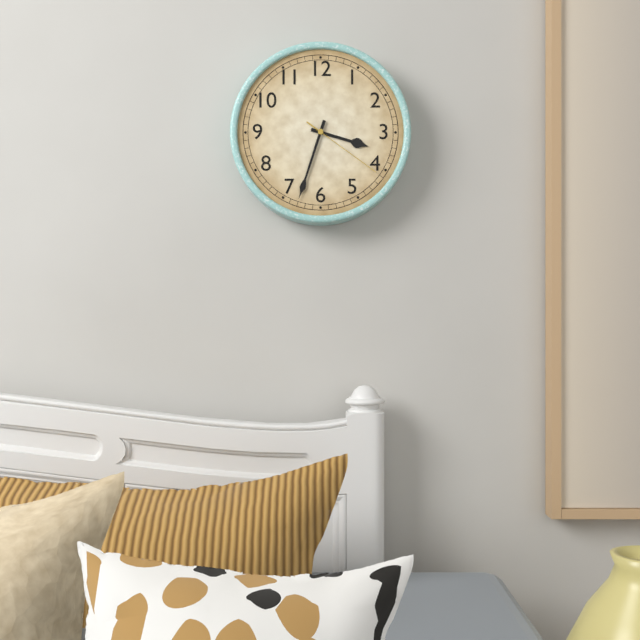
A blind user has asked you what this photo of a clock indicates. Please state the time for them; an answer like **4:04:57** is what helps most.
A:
**3:33:21**
